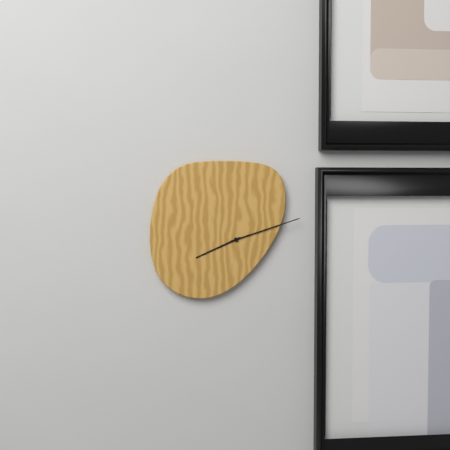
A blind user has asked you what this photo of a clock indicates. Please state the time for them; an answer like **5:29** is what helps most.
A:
**8:12**
